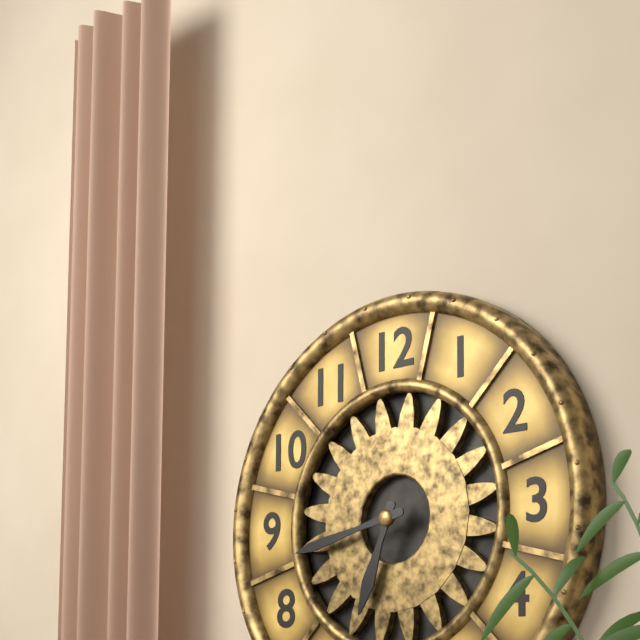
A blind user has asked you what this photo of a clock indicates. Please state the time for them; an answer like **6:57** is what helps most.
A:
**6:43**
